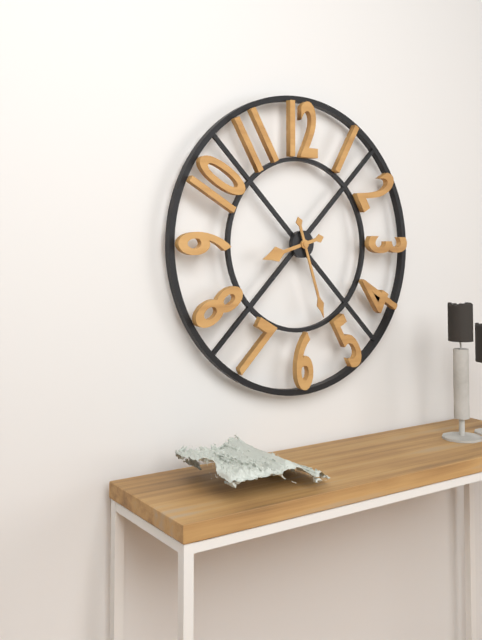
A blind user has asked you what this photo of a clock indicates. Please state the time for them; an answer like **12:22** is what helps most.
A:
**8:27**
